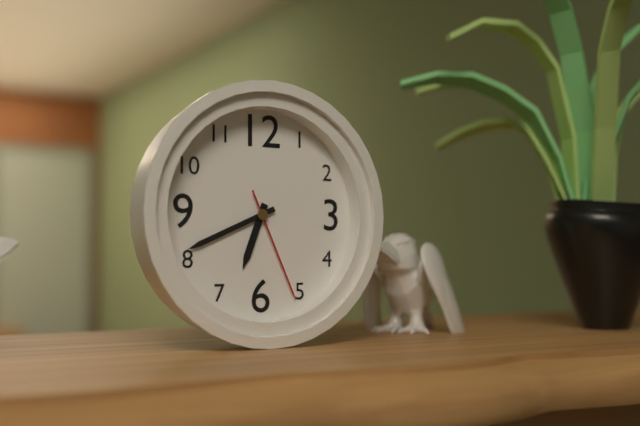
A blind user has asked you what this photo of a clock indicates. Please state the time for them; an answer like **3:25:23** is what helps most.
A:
**6:41:26**
